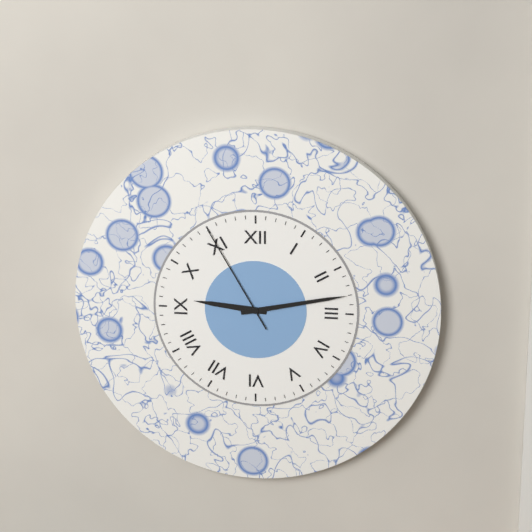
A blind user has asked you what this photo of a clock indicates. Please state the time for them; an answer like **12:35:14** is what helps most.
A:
**9:13:55**
